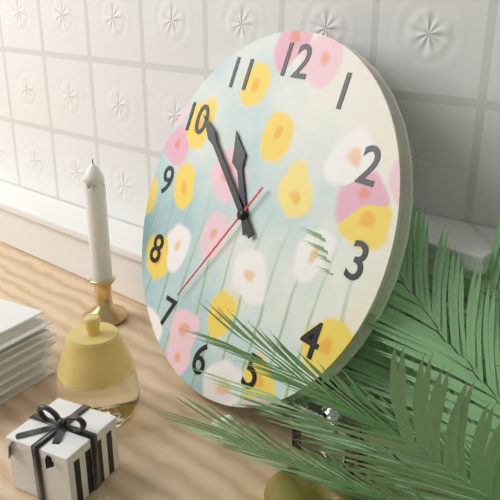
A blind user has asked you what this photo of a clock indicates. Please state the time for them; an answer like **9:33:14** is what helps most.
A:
**10:51:35**
